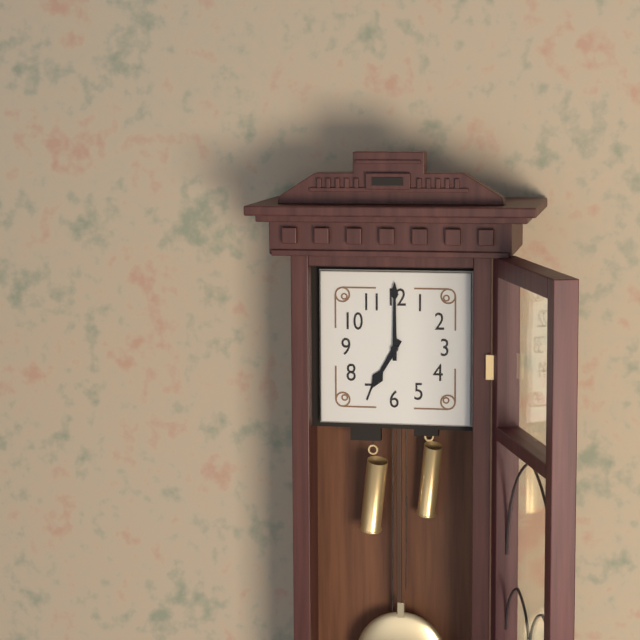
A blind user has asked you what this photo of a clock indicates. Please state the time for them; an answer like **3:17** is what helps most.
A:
**7:00**
